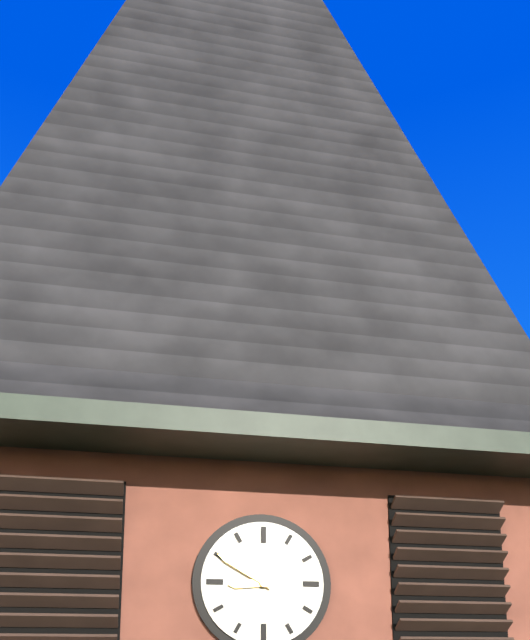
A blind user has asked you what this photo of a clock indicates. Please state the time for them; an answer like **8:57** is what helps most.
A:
**8:50**
